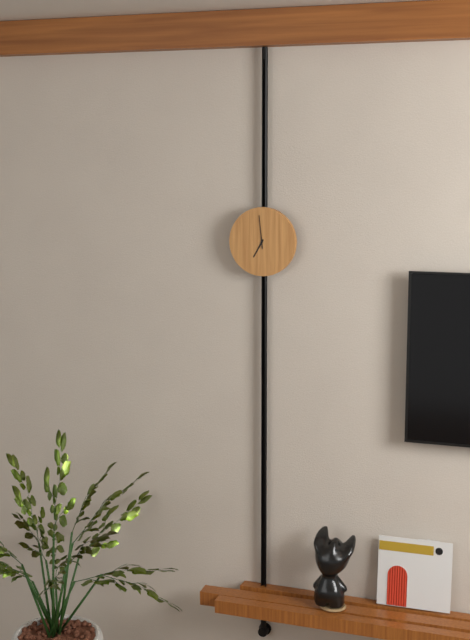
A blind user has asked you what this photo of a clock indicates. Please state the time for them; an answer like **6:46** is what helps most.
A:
**6:59**
